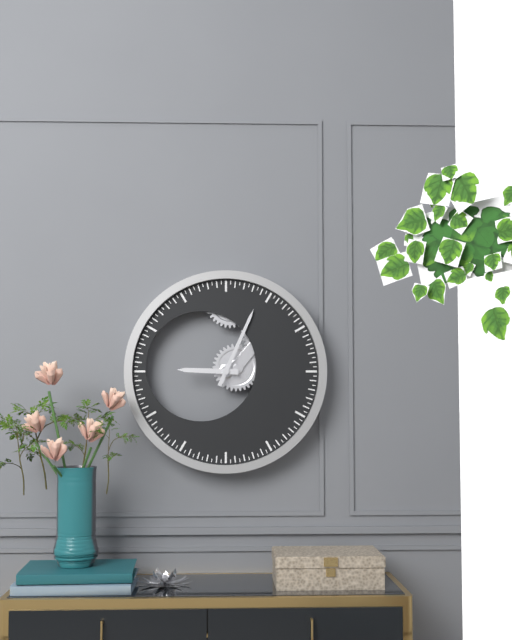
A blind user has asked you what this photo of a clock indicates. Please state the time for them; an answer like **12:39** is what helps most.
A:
**9:04**
